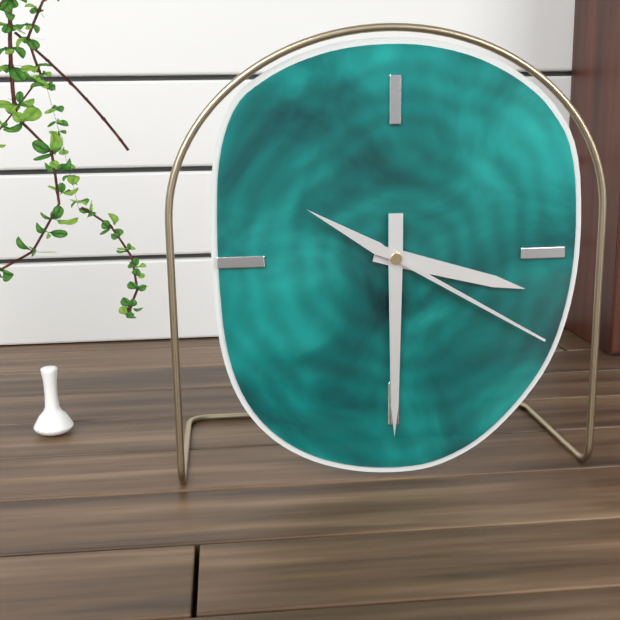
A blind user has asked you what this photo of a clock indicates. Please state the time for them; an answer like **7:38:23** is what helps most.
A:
**3:30:20**
